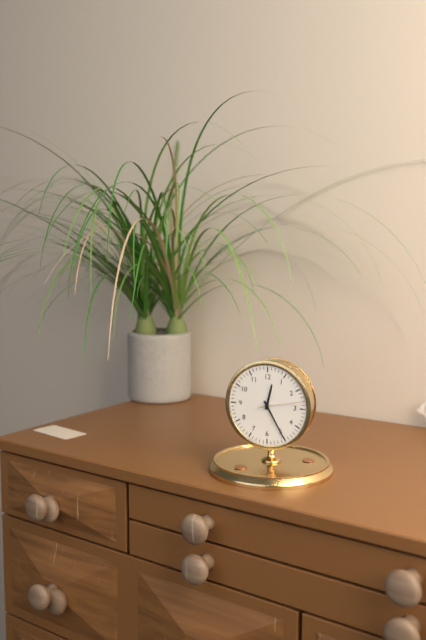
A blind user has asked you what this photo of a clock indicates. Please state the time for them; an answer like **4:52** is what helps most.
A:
**12:25**
